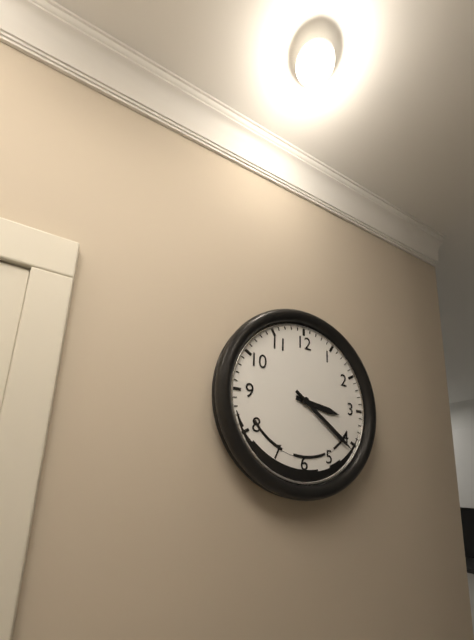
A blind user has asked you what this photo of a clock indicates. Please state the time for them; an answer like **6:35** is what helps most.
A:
**3:21**
